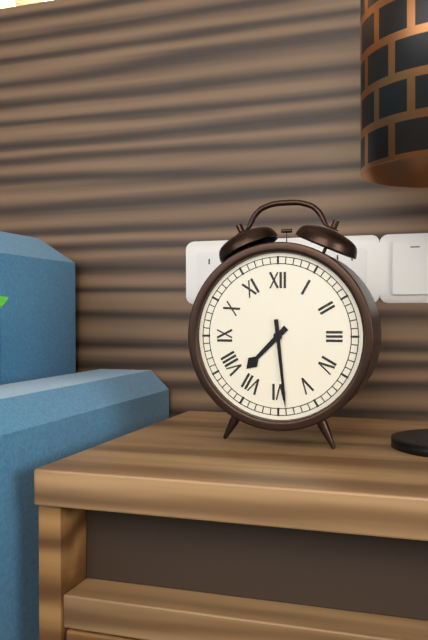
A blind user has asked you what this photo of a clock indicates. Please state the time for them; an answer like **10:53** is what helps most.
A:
**7:29**
